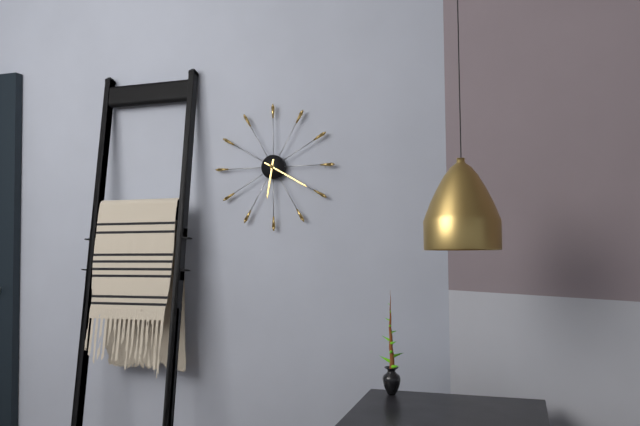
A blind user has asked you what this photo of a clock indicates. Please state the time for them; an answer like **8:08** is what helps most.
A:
**6:20**
